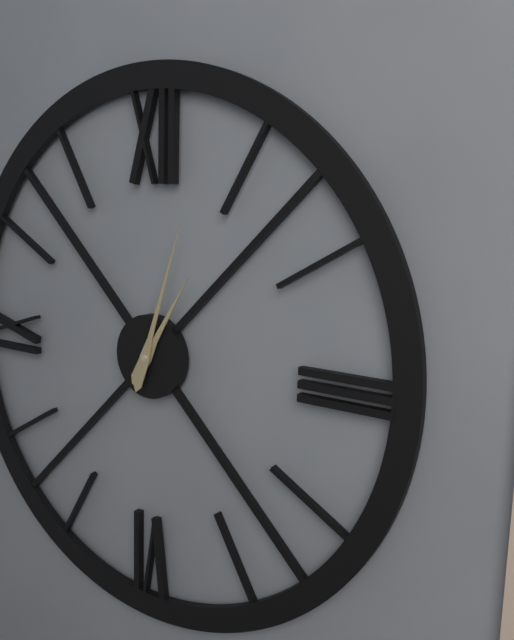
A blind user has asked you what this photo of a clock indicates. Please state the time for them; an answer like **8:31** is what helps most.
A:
**1:03**
